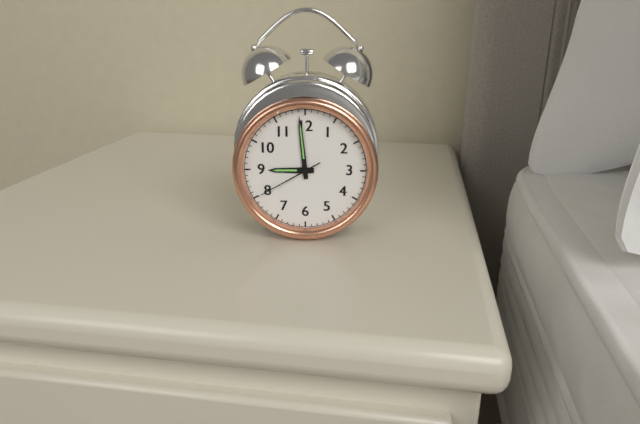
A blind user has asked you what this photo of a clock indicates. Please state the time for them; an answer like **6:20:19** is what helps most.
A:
**8:59:40**
